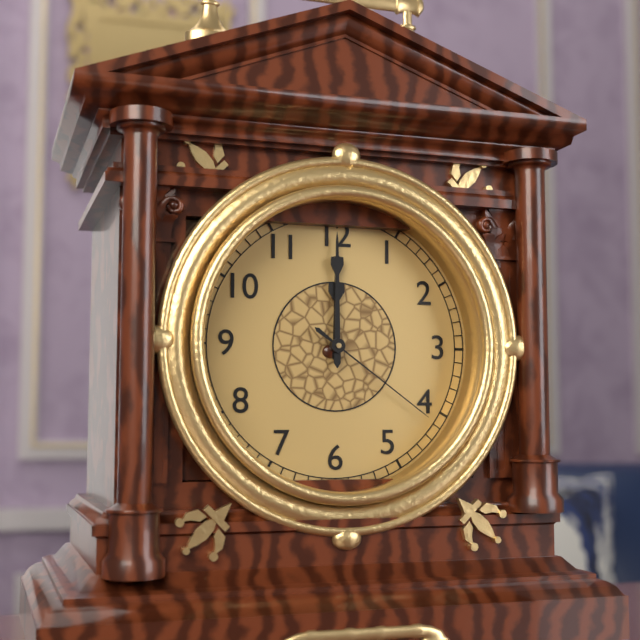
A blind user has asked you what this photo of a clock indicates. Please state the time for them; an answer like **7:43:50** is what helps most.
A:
**12:00:21**
